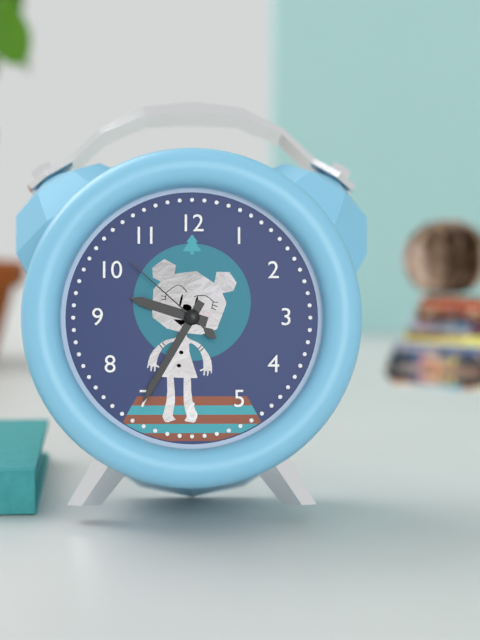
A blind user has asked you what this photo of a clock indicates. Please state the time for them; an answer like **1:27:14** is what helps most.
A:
**9:35:52**
